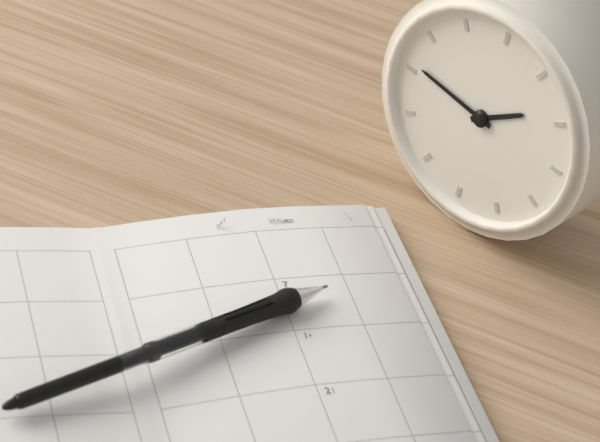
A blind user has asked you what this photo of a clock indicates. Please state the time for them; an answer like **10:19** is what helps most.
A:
**1:46**
